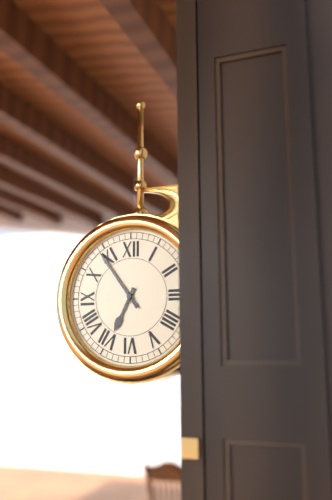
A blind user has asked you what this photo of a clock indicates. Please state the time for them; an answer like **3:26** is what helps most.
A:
**6:54**
